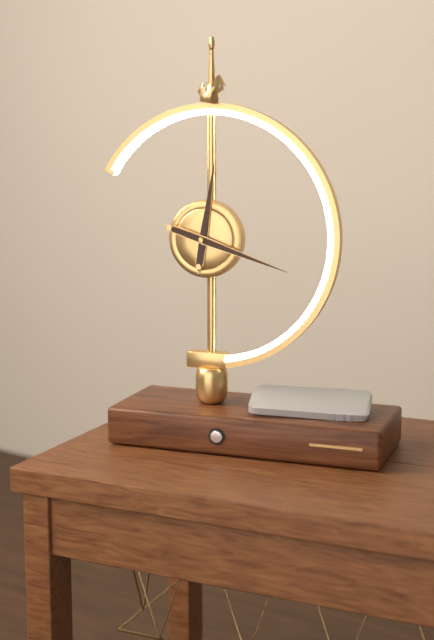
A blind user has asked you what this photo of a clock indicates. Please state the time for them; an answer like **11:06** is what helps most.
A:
**12:18**
